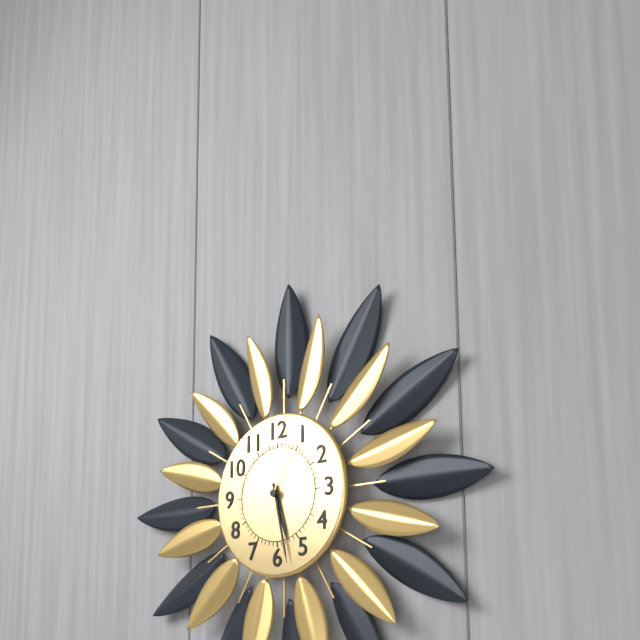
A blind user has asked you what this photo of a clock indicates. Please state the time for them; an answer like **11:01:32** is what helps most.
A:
**5:28:03**
